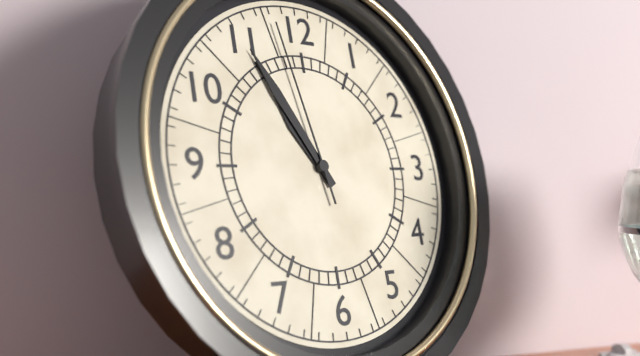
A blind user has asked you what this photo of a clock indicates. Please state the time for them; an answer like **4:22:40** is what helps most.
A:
**10:55:58**
